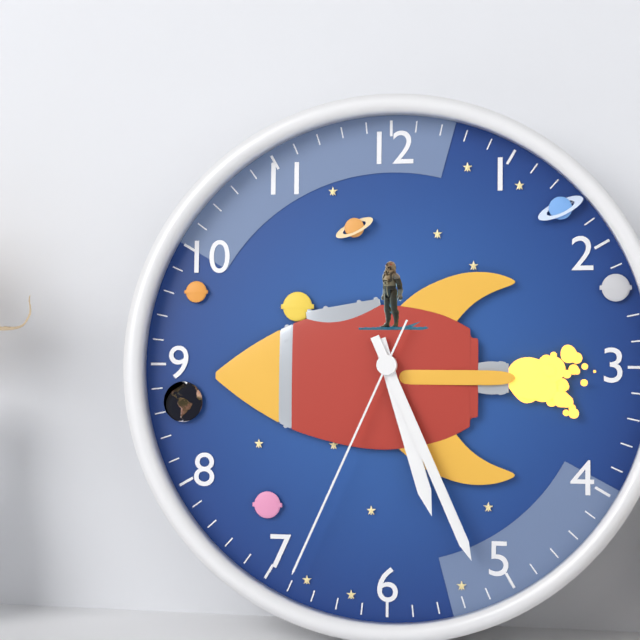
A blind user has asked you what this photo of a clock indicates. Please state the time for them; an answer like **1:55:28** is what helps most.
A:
**5:26:34**
